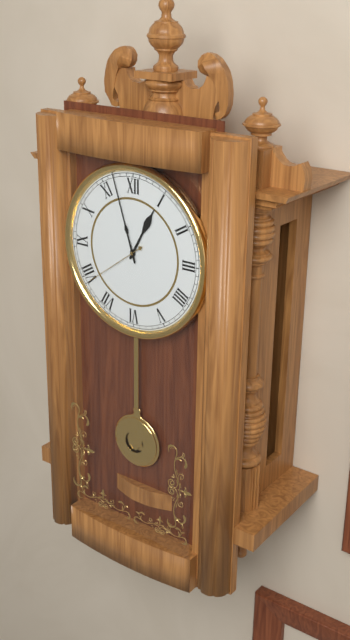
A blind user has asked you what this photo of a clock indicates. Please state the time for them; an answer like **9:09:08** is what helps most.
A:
**12:57:39**
